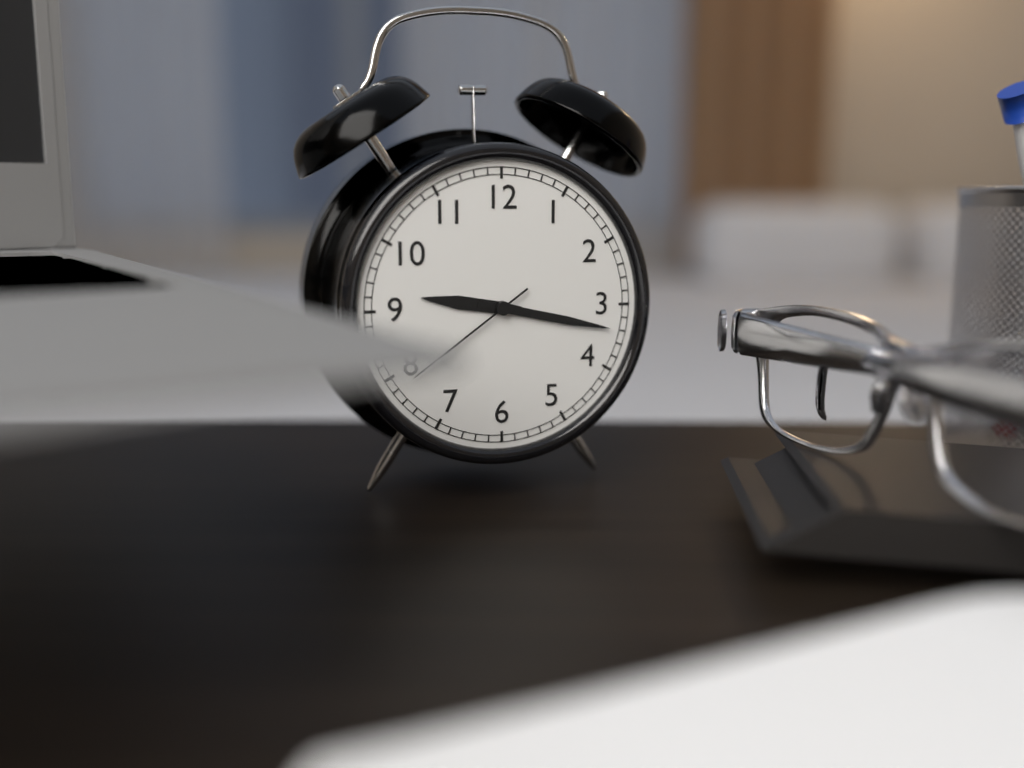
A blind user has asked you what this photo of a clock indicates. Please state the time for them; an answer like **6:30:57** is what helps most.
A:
**9:17:39**
